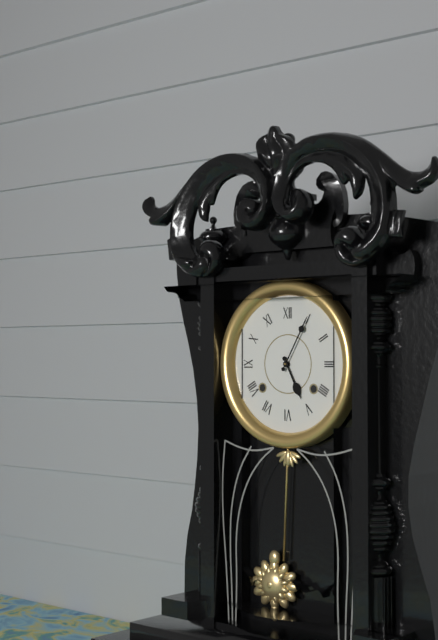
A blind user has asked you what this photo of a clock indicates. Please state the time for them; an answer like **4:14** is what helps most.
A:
**5:05**
